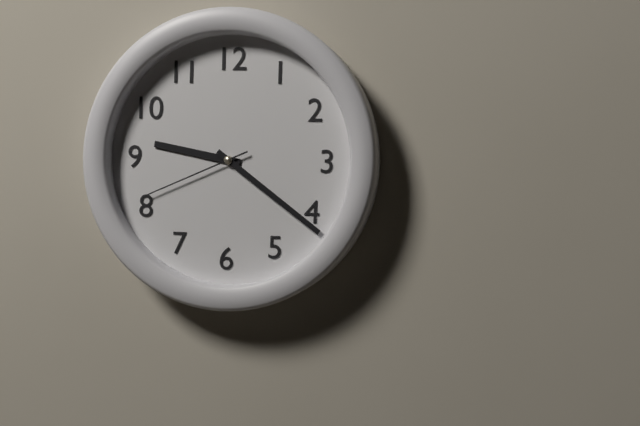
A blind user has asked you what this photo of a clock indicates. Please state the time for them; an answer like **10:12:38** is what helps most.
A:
**9:21:41**
